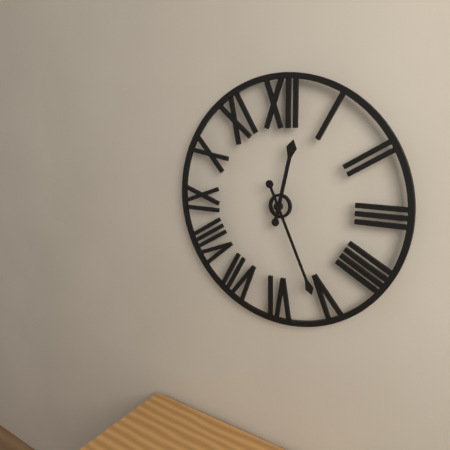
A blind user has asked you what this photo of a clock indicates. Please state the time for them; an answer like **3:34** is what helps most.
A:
**12:26**
